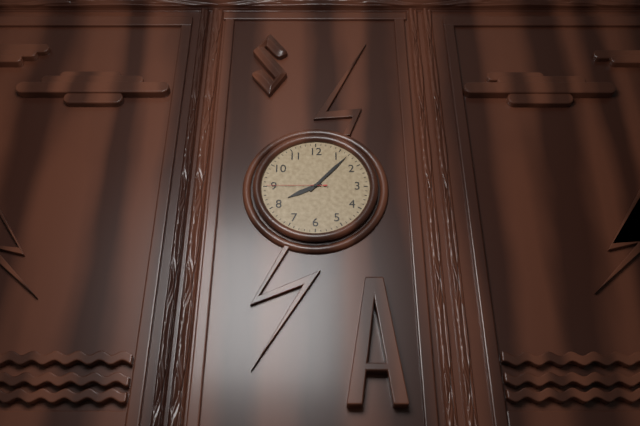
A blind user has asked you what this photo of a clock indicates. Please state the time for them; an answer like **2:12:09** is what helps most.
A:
**8:07:45**
